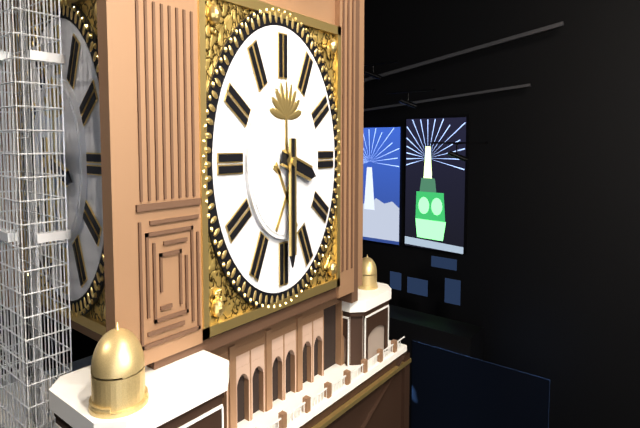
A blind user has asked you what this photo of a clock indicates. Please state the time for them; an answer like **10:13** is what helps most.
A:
**3:30**
